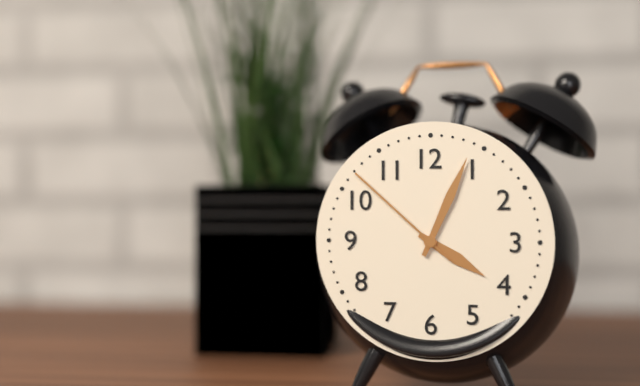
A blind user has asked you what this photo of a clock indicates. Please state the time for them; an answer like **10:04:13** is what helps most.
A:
**4:04:52**
